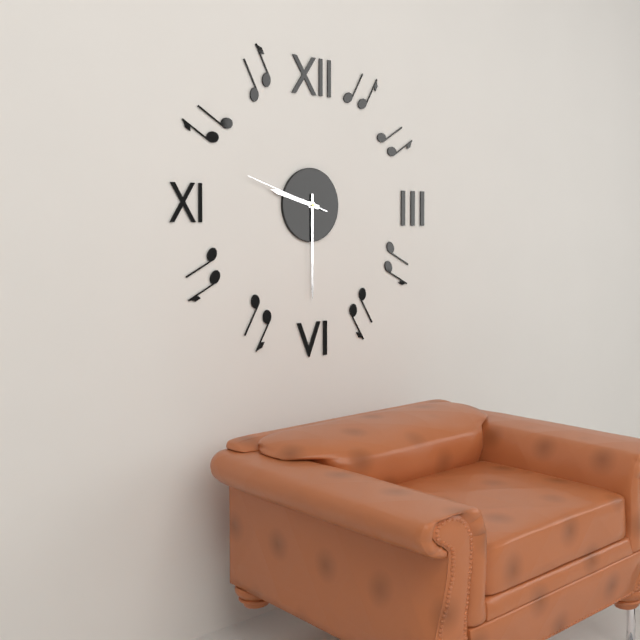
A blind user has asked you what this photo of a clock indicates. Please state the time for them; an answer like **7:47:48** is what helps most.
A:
**9:30:48**
